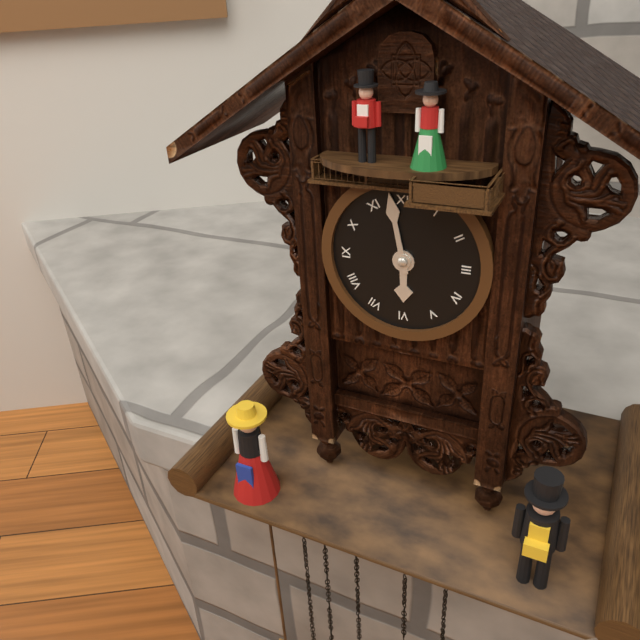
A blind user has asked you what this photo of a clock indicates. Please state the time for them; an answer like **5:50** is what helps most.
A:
**5:58**
